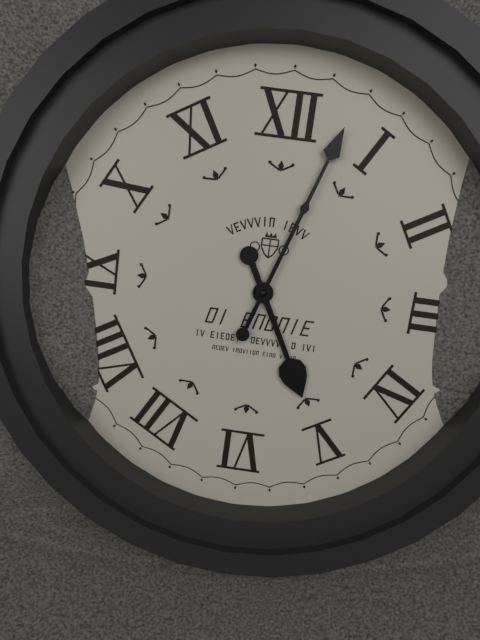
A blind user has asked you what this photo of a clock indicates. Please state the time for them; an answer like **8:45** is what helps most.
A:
**5:03**
